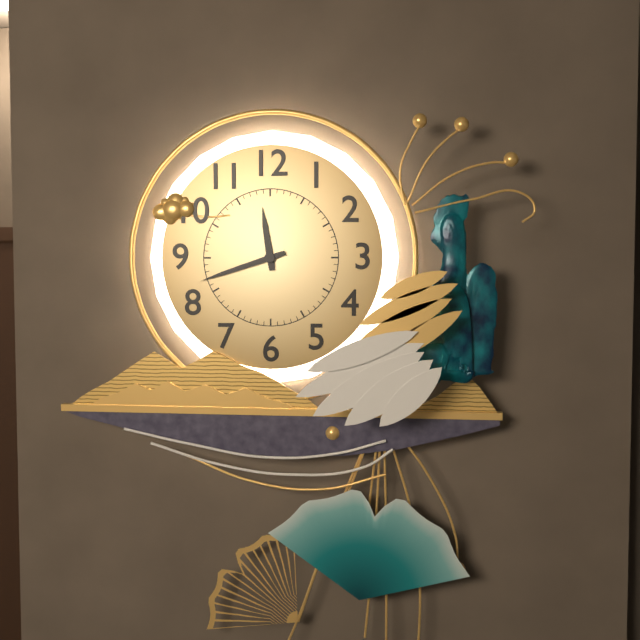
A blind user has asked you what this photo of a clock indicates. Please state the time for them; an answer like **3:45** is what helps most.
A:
**11:42**
